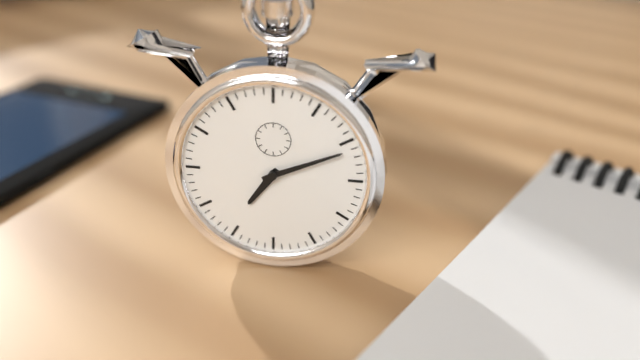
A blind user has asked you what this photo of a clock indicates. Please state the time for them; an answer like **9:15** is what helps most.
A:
**7:11**
